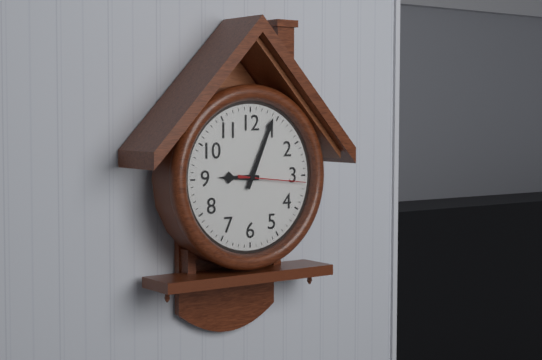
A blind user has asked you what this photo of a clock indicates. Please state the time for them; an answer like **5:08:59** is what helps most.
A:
**9:04:16**
